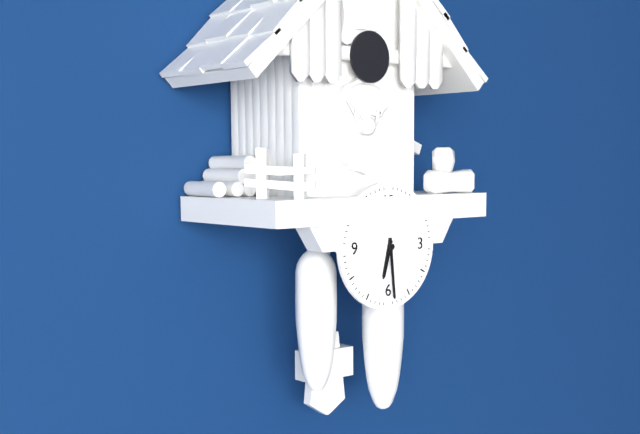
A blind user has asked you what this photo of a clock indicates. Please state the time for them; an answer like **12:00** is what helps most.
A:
**6:29**
